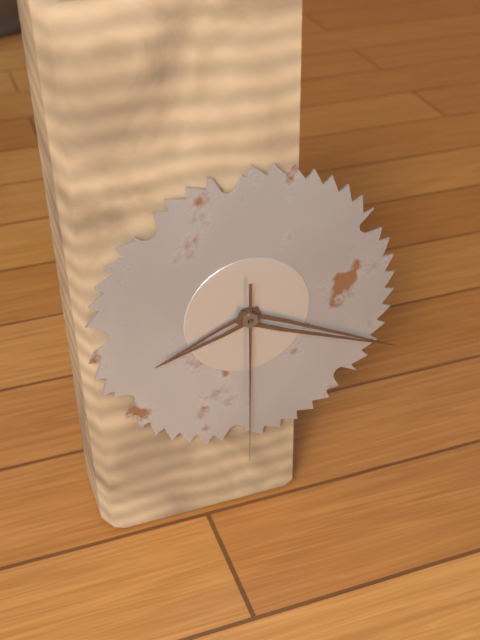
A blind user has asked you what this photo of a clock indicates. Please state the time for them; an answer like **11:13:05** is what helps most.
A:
**8:19:30**
